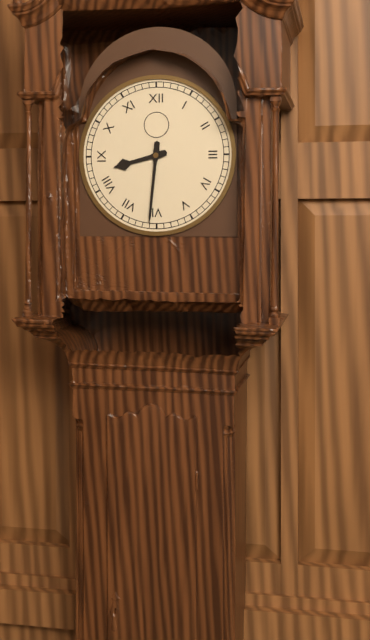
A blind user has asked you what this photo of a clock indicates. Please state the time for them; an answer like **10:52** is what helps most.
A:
**8:31**
